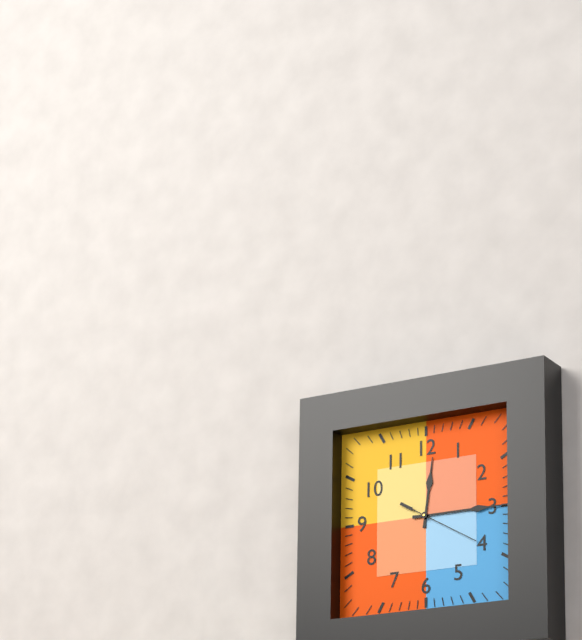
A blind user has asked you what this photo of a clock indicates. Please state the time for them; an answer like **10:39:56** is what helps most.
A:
**12:15:20**
